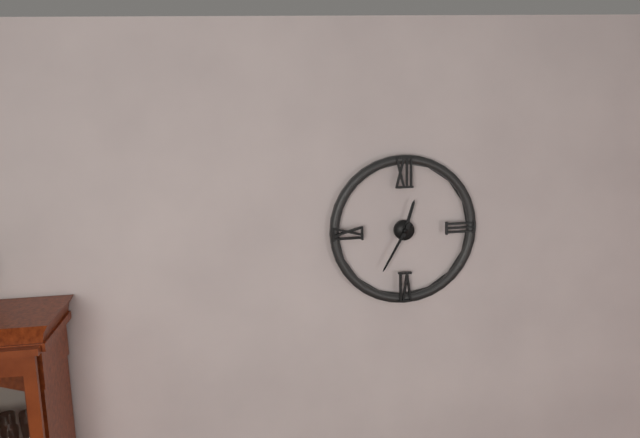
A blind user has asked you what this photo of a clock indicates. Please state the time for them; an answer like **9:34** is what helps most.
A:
**12:35**
